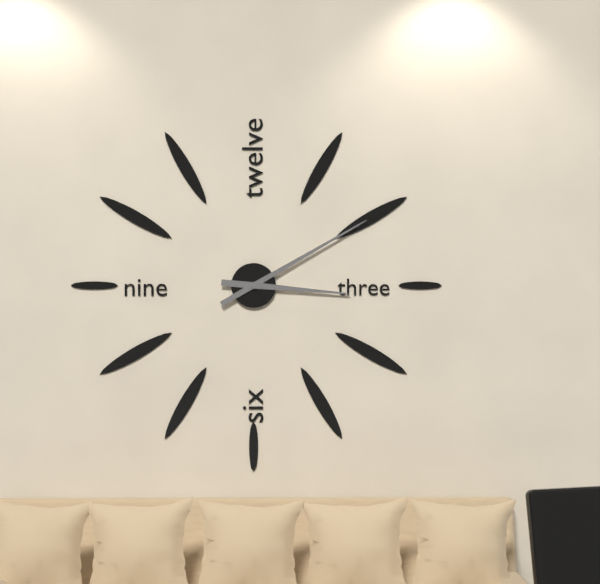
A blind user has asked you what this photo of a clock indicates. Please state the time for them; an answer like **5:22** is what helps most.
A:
**3:10**
